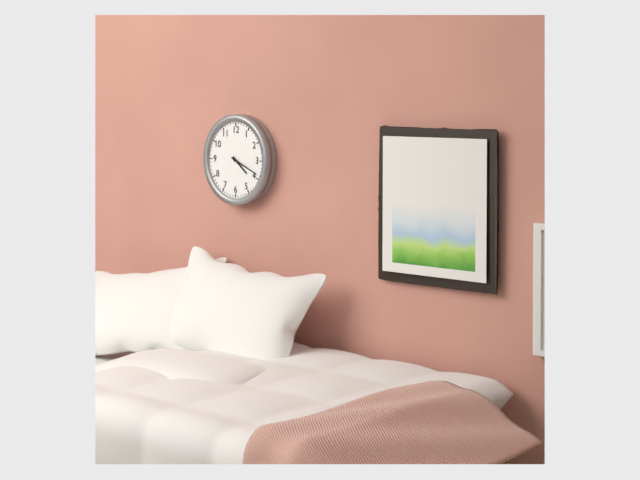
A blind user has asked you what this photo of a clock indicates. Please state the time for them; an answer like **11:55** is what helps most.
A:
**4:19**
